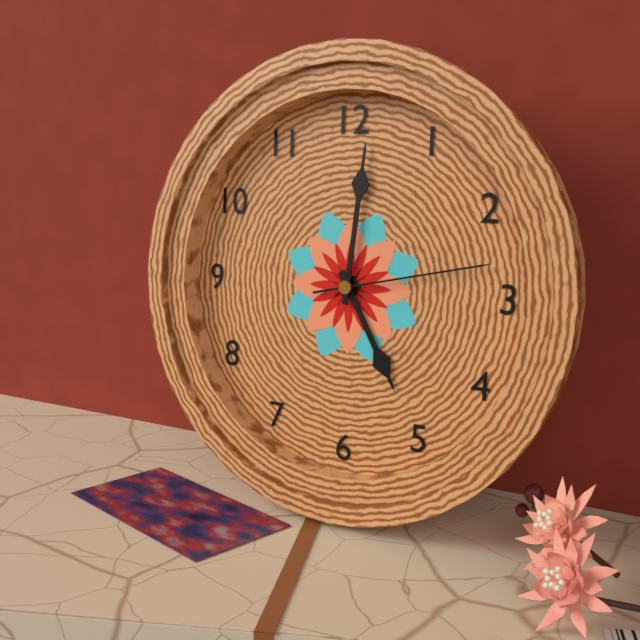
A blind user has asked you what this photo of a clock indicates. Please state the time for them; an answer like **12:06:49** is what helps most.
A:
**5:01:13**
